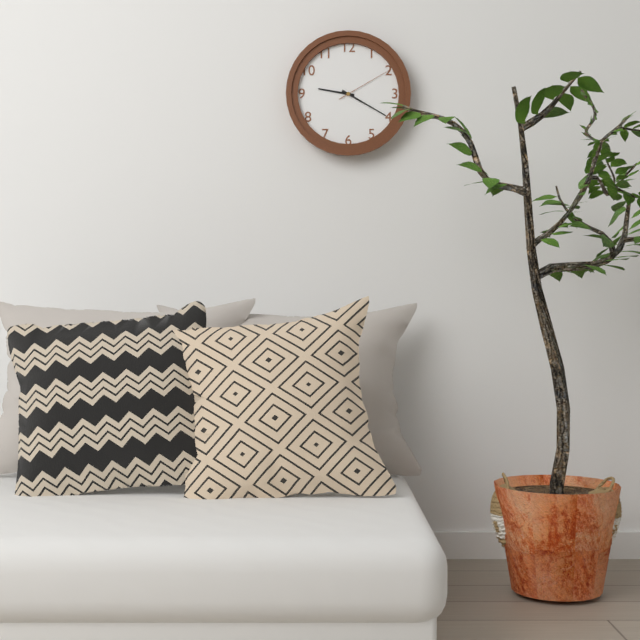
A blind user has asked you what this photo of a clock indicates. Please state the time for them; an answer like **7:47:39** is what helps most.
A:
**9:20:10**
